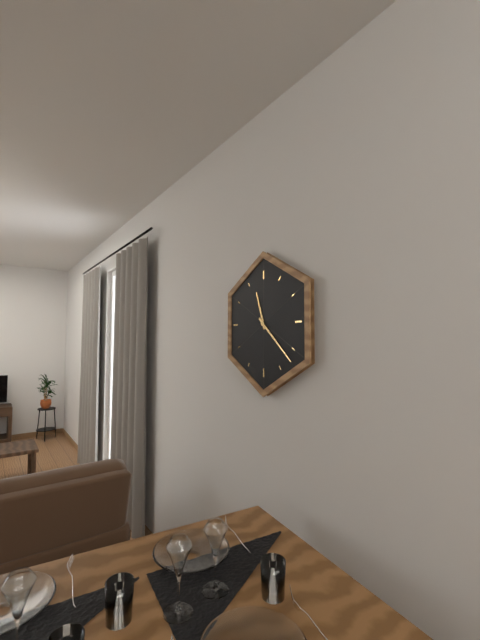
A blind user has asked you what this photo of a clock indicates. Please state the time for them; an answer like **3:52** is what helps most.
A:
**11:22**
